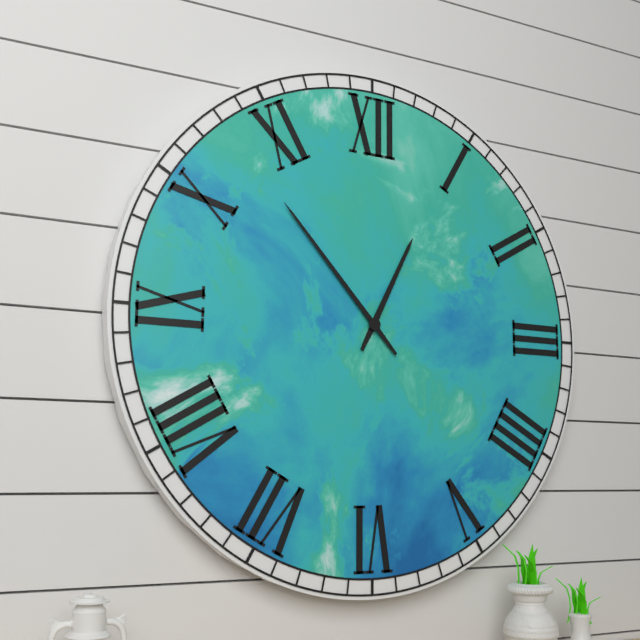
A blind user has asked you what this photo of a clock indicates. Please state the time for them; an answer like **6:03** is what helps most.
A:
**12:53**
